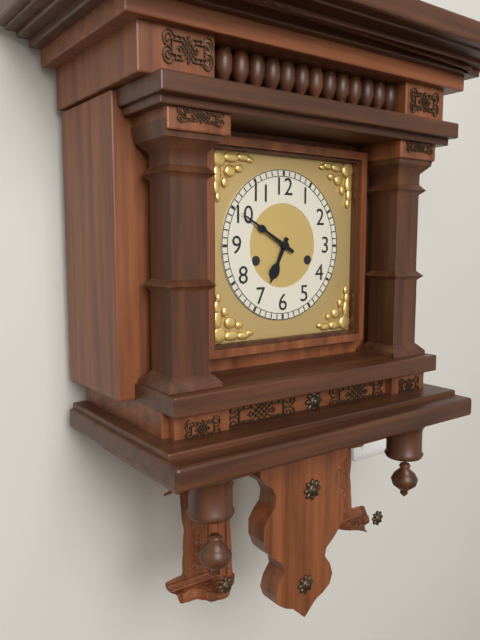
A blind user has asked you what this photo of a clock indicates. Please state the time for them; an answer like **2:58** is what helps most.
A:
**6:50**
